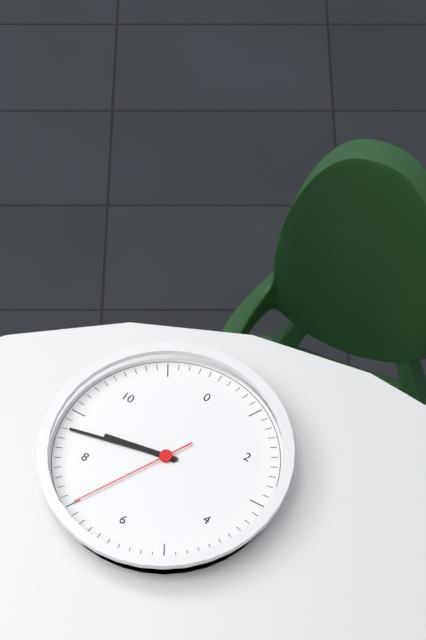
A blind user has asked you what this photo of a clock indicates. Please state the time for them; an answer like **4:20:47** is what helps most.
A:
**8:43:35**
